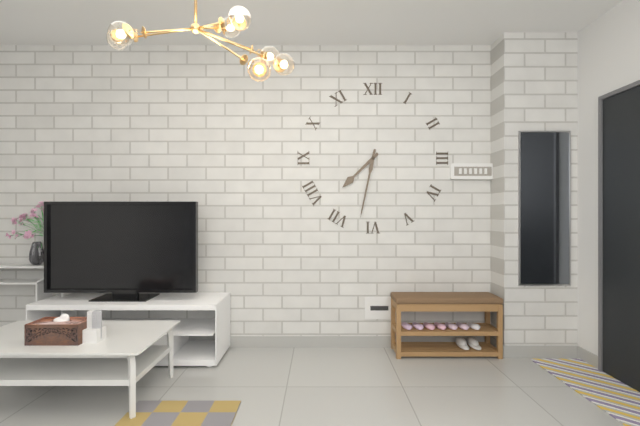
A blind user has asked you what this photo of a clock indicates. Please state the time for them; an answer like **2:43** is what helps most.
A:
**7:32**
